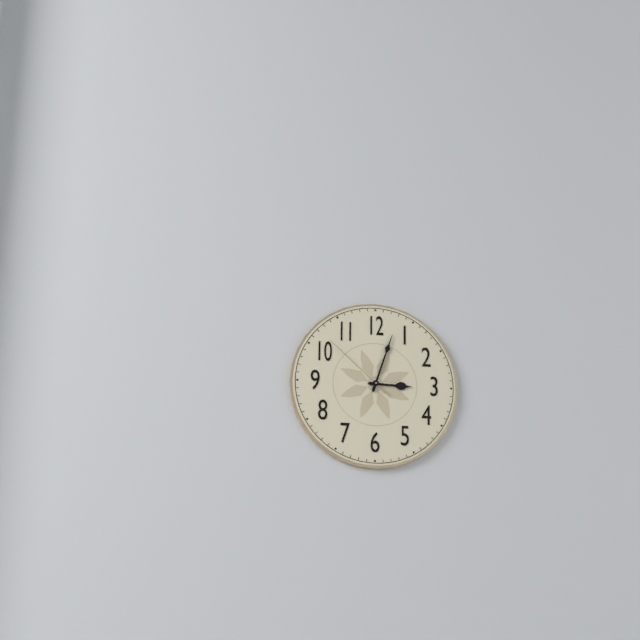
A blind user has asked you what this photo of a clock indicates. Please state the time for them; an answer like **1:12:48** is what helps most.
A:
**3:03:52**
